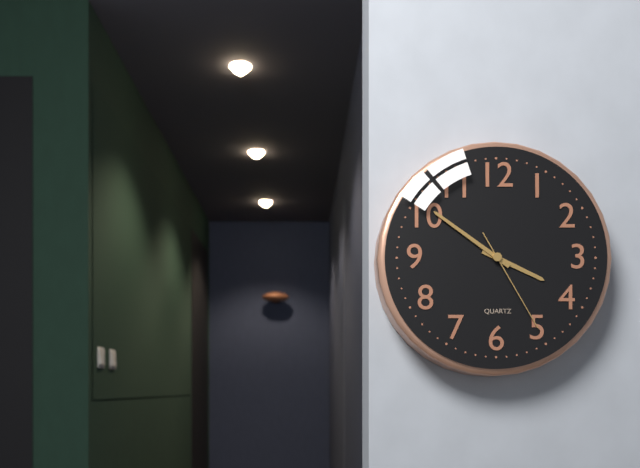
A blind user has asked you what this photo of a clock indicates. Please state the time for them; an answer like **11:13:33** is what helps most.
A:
**3:51:25**
